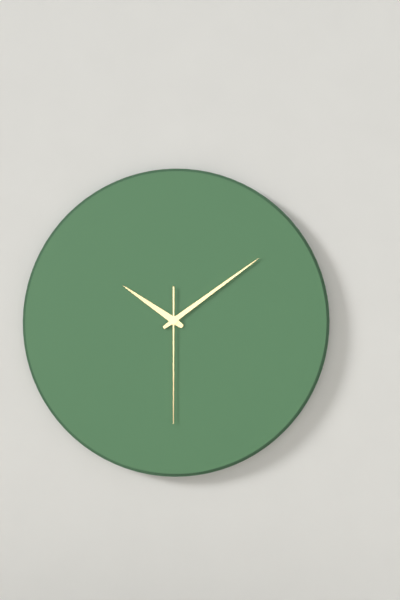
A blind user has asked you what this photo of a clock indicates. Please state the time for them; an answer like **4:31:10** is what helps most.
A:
**10:09:30**
